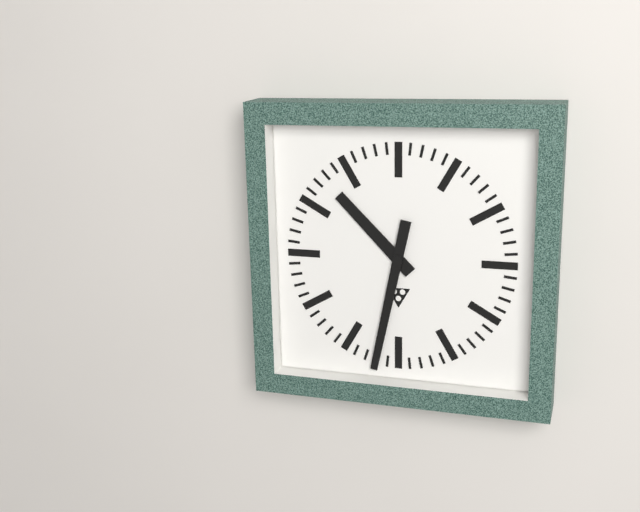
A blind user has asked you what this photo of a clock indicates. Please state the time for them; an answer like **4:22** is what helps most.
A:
**10:32**
